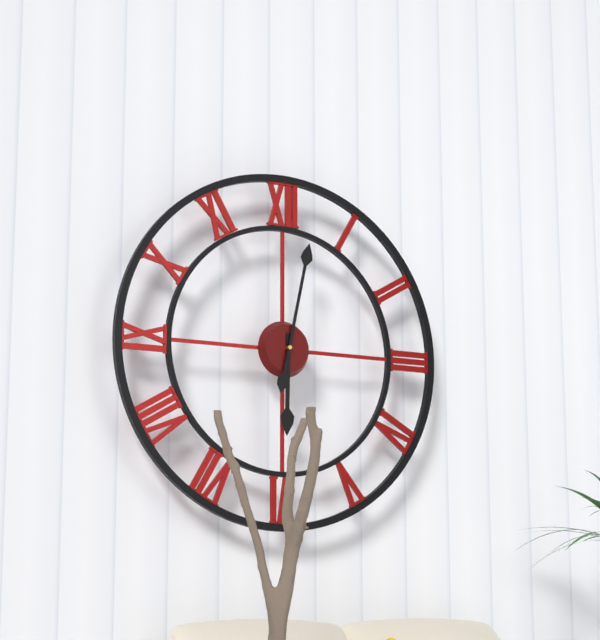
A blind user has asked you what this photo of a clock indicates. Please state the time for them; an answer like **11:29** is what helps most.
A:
**6:02**
